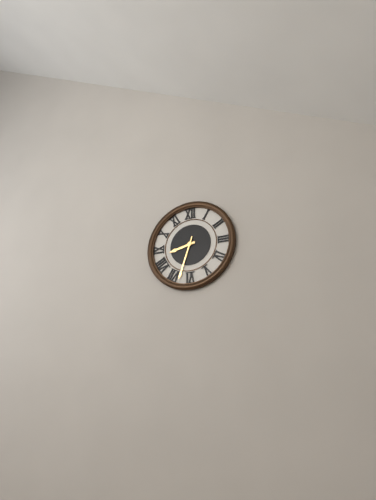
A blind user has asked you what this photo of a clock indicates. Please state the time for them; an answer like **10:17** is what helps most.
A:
**8:33**
